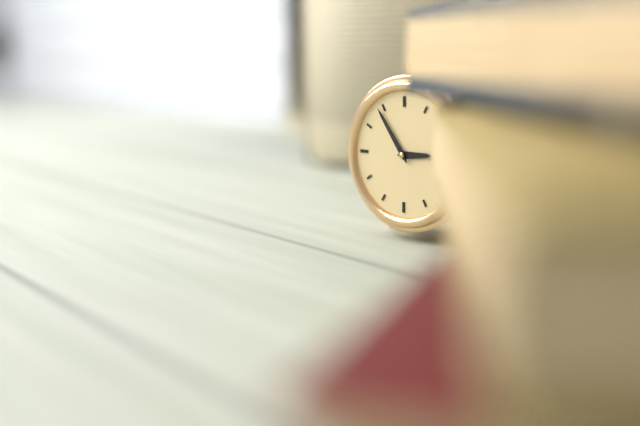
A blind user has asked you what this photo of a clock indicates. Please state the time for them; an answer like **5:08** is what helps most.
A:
**2:54**
